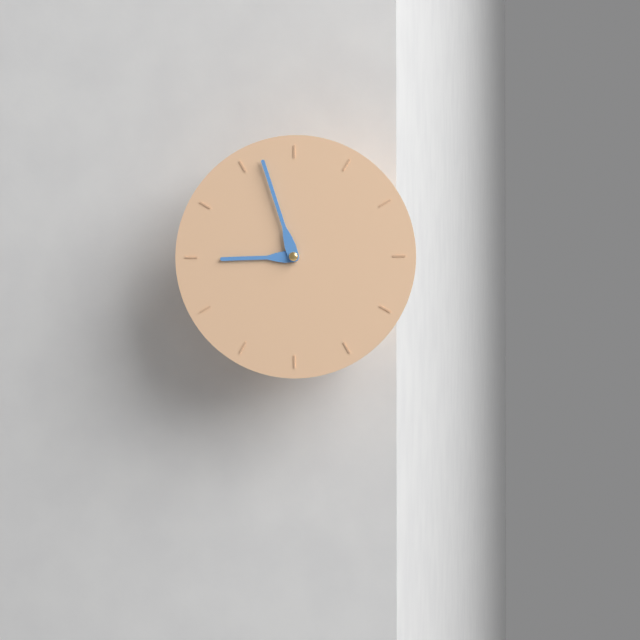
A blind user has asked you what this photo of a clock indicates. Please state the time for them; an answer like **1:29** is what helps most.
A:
**8:57**
